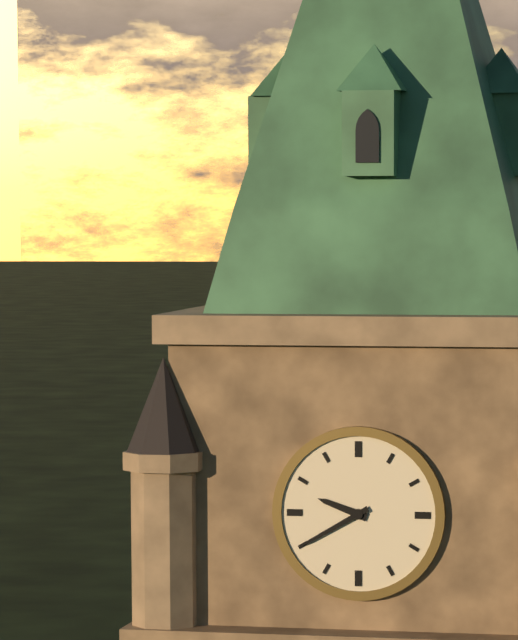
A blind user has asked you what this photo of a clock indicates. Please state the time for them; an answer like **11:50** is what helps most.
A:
**9:40**
